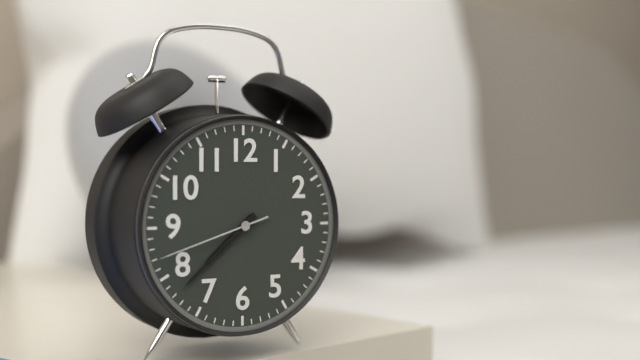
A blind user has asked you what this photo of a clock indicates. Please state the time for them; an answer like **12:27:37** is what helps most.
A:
**7:38:42**
